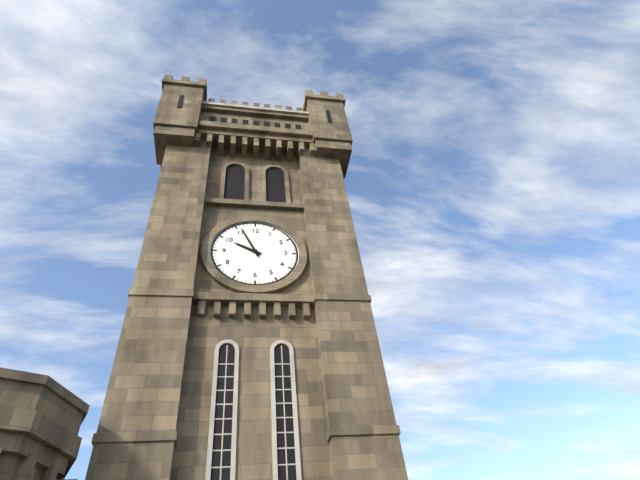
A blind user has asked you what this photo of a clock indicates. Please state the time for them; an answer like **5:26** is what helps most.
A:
**9:56**
